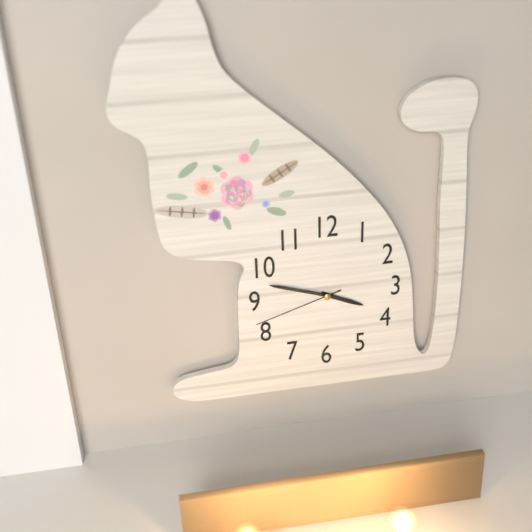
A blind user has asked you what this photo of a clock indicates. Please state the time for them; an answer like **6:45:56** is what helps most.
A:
**3:48:42**
